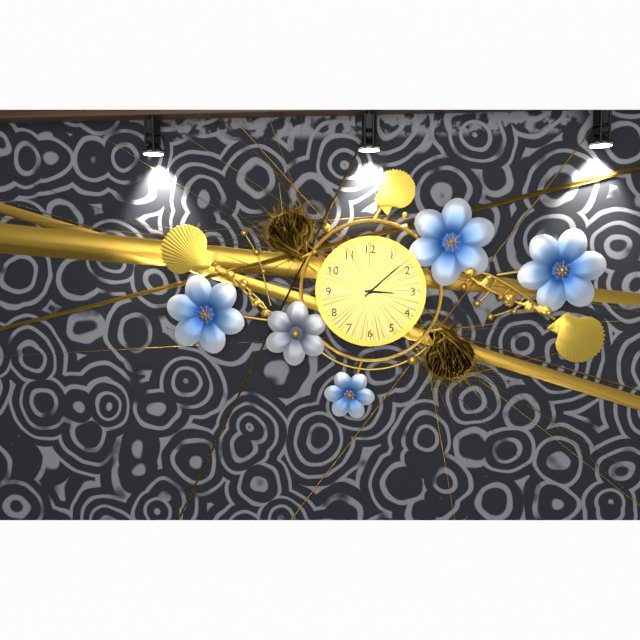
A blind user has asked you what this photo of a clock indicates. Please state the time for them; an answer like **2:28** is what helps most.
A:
**3:08**
